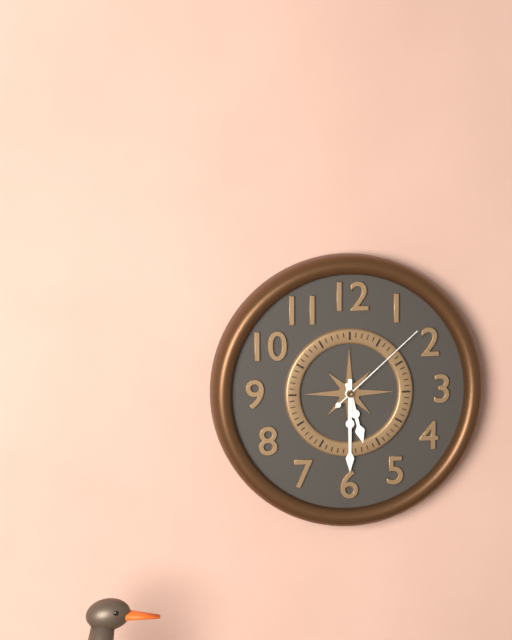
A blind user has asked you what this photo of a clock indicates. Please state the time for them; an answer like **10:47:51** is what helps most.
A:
**5:30:08**
